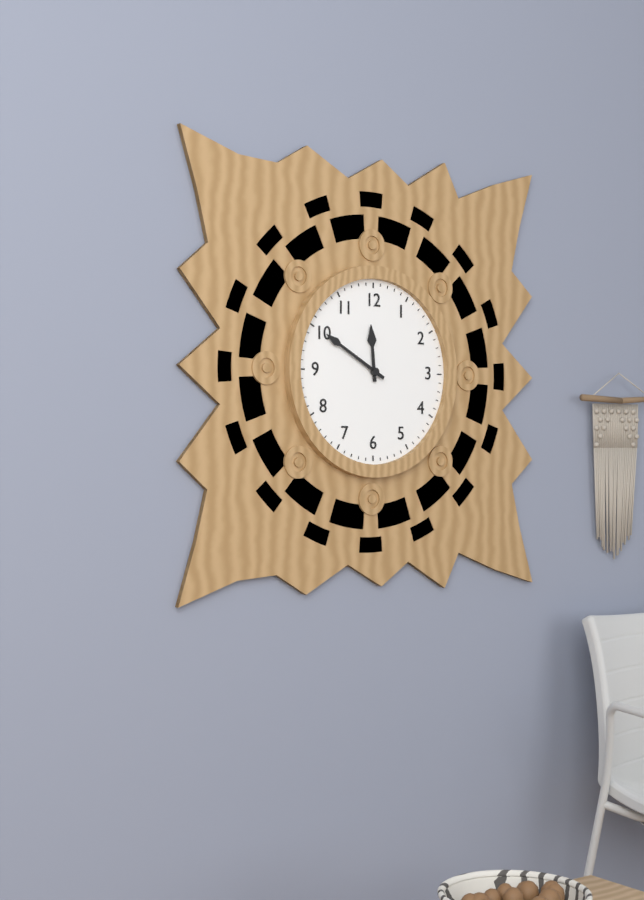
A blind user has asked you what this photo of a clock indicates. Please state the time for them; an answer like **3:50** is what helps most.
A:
**11:50**
